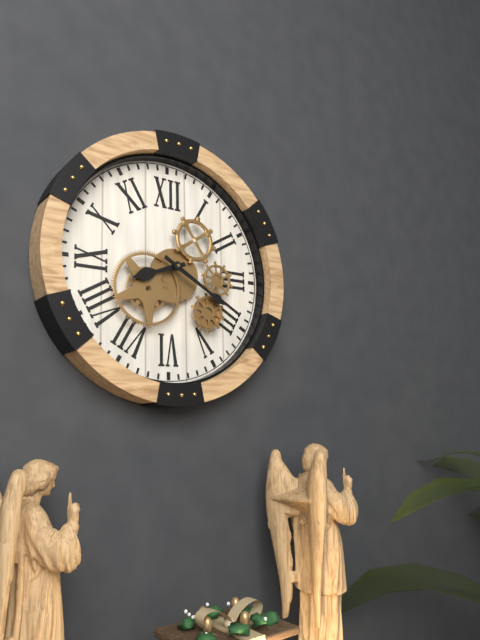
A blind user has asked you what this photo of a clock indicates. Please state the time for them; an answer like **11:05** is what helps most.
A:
**8:20**
